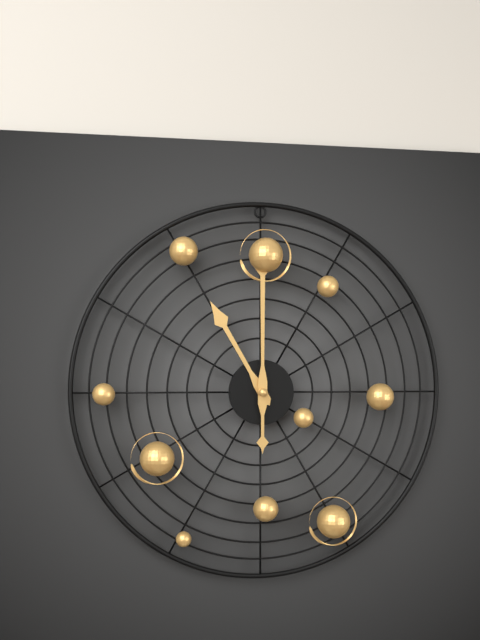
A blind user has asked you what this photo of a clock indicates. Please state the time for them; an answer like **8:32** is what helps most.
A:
**11:00**
